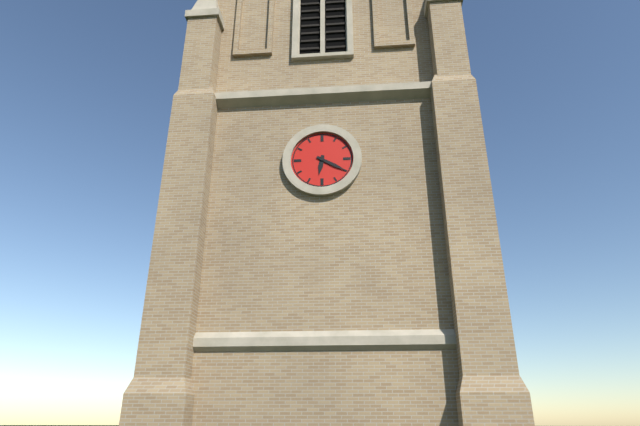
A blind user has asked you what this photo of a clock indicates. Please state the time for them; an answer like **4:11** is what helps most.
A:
**6:20**
